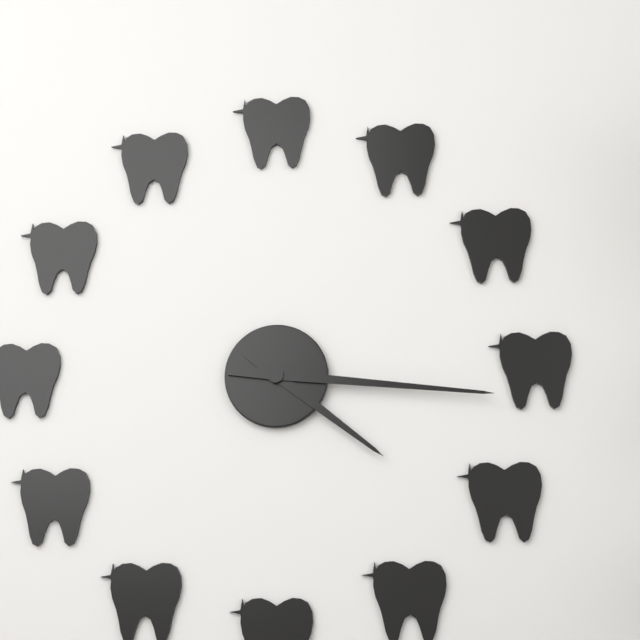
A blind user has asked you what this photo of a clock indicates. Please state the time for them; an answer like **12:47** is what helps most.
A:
**4:16**
